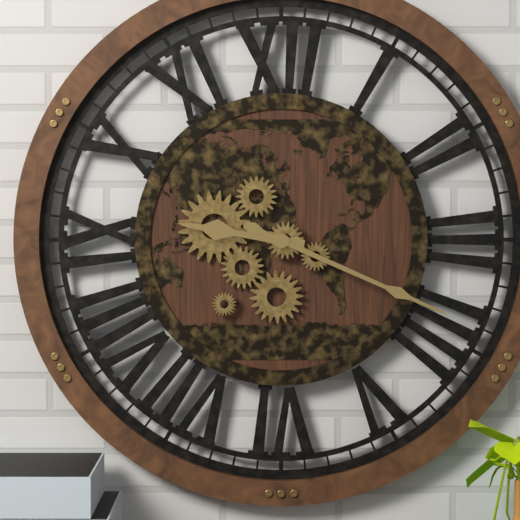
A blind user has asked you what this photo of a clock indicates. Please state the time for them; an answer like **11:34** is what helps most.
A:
**9:19**
